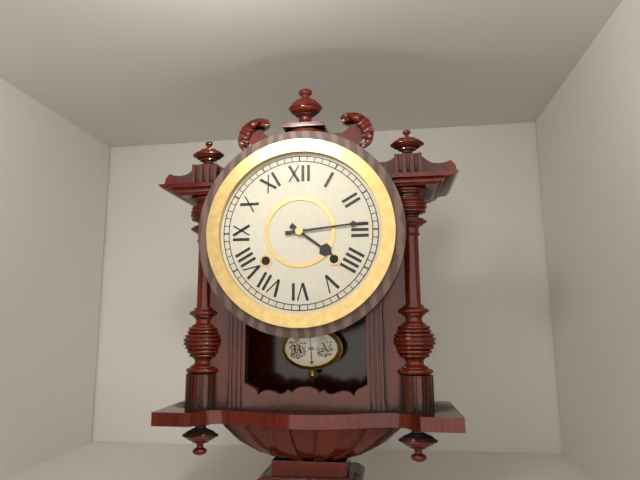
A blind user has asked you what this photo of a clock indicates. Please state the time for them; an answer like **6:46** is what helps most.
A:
**4:14**
